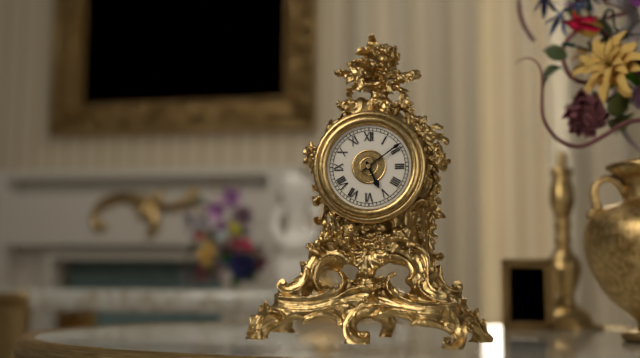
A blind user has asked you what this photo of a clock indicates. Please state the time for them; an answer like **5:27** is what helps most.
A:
**5:09**
